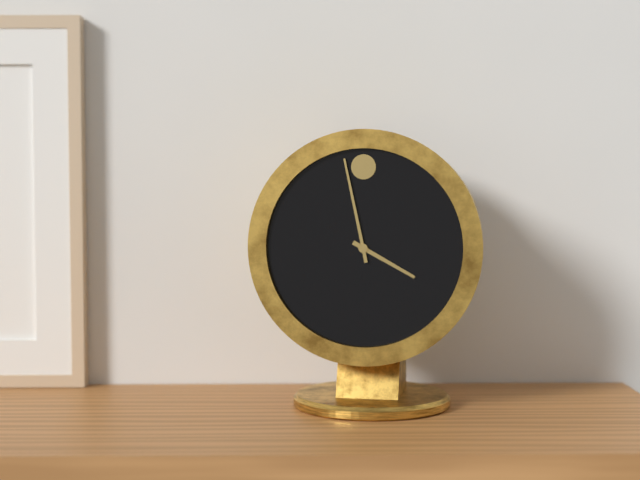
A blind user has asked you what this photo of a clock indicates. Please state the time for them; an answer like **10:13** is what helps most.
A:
**3:58**
